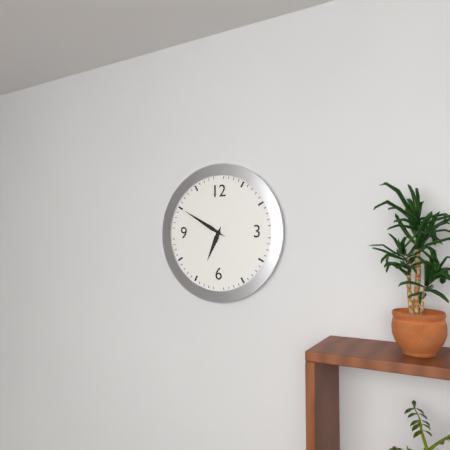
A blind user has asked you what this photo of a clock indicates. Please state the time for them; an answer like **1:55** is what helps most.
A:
**6:50**
